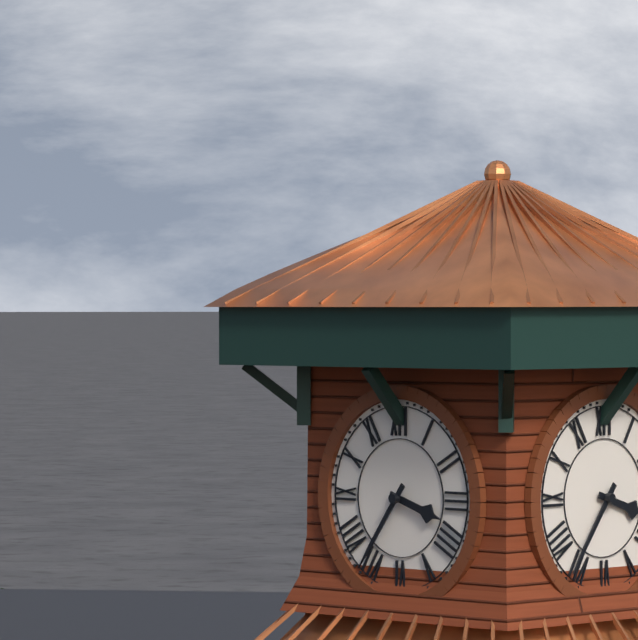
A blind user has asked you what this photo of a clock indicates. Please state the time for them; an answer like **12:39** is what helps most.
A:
**3:36**
